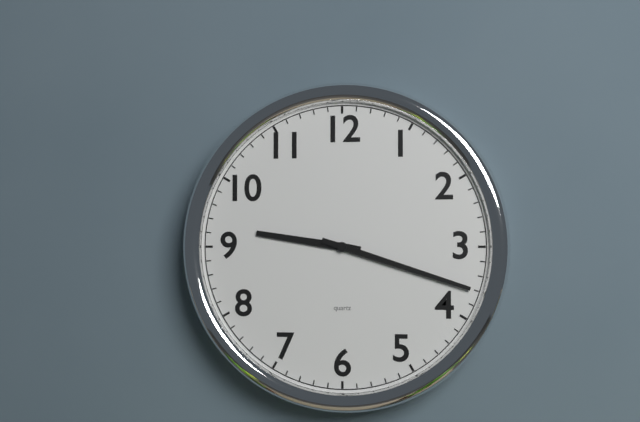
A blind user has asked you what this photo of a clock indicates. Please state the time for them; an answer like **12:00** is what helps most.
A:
**9:18**
